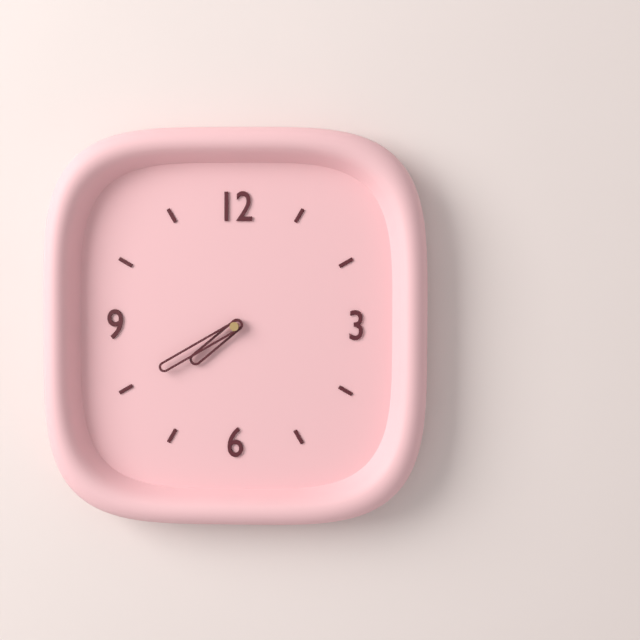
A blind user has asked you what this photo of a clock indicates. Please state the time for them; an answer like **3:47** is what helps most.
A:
**7:40**
